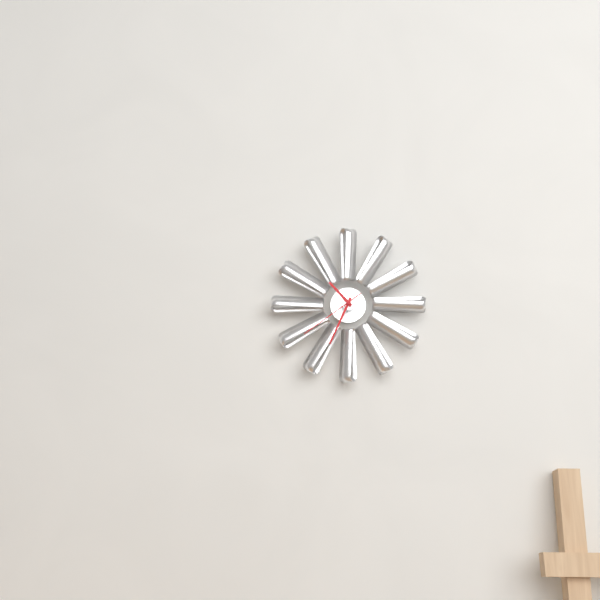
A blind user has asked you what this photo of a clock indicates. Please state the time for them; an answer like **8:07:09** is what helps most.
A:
**10:34:39**
